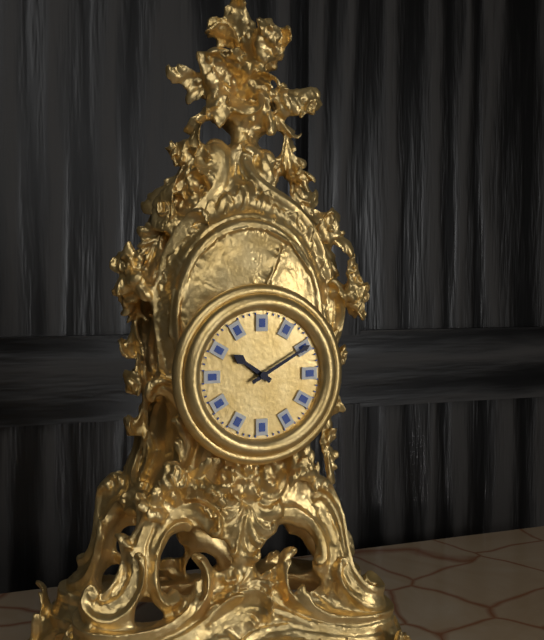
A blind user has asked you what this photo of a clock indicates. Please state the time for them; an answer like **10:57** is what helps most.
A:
**10:10**
